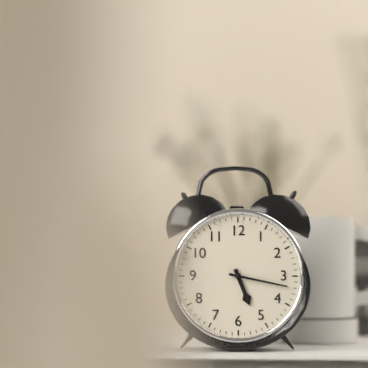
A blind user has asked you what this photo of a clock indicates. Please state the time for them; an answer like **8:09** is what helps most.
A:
**5:17**
